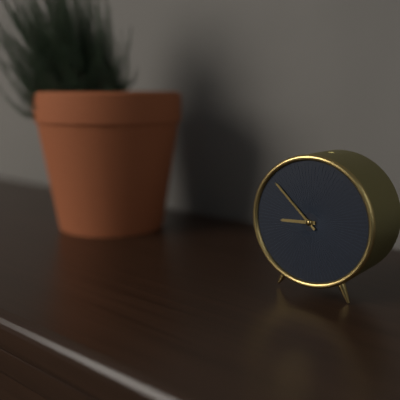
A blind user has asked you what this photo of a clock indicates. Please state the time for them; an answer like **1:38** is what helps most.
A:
**8:52**
